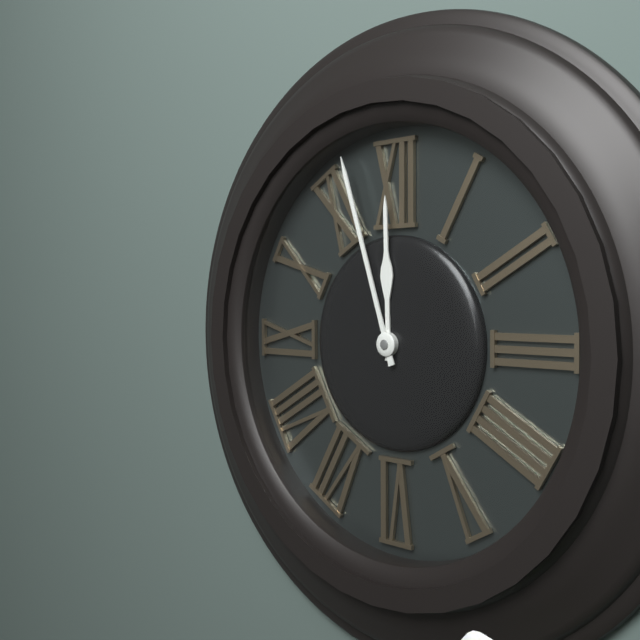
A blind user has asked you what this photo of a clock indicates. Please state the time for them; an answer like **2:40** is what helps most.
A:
**11:57**
